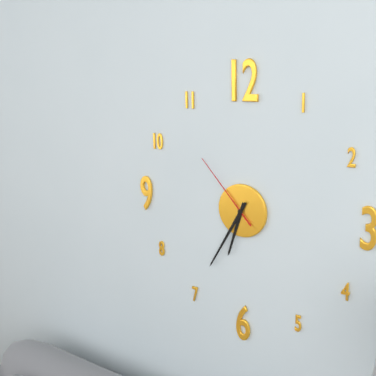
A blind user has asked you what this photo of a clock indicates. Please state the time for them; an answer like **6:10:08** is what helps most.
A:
**6:35:53**
